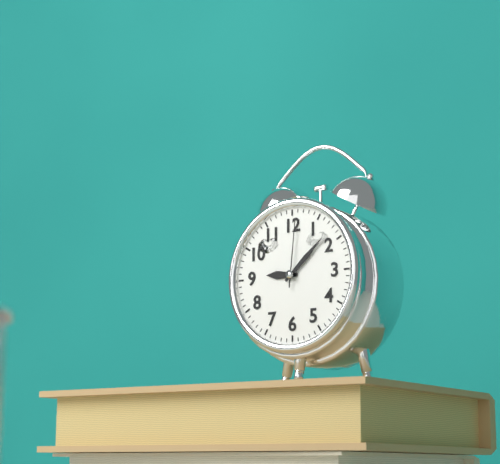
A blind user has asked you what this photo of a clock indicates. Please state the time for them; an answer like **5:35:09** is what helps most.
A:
**9:08:01**
